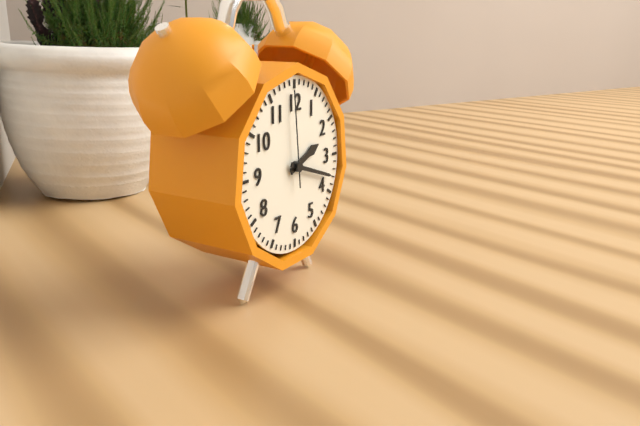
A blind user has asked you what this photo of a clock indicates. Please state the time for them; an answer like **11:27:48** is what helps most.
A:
**2:18:59**
